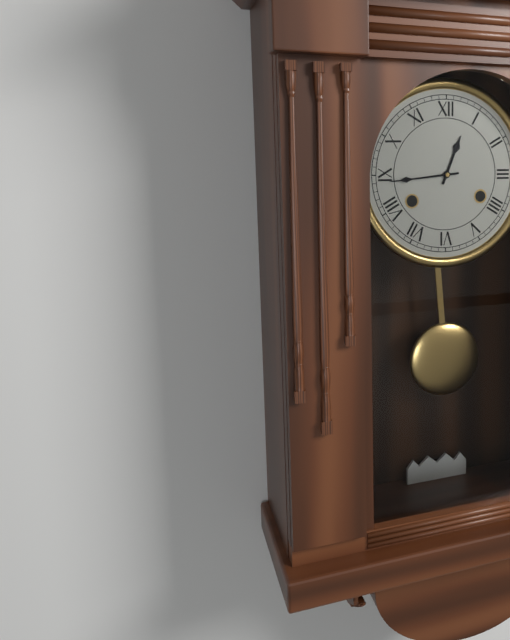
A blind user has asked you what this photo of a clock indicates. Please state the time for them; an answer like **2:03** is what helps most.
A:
**12:44**
